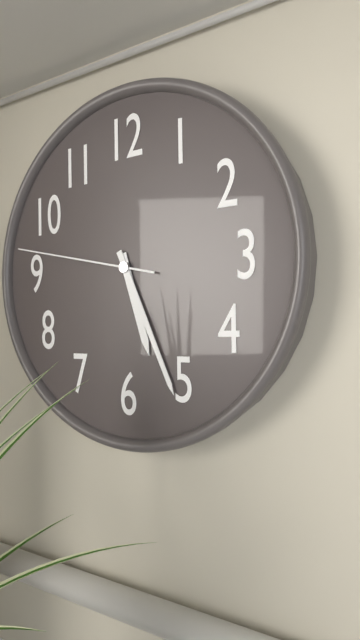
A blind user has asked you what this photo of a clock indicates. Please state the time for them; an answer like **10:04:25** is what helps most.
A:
**5:26:47**
